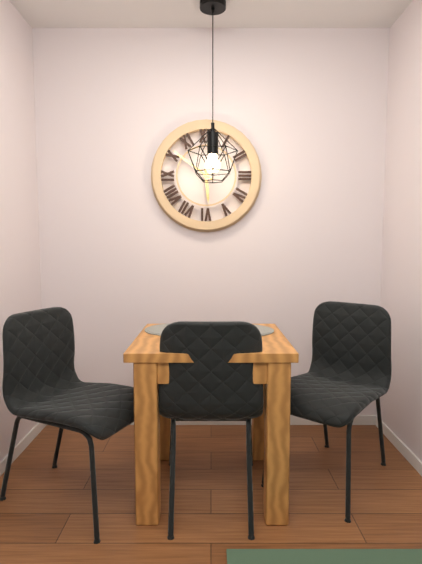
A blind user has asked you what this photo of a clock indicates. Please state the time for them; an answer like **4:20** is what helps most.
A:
**5:51**
